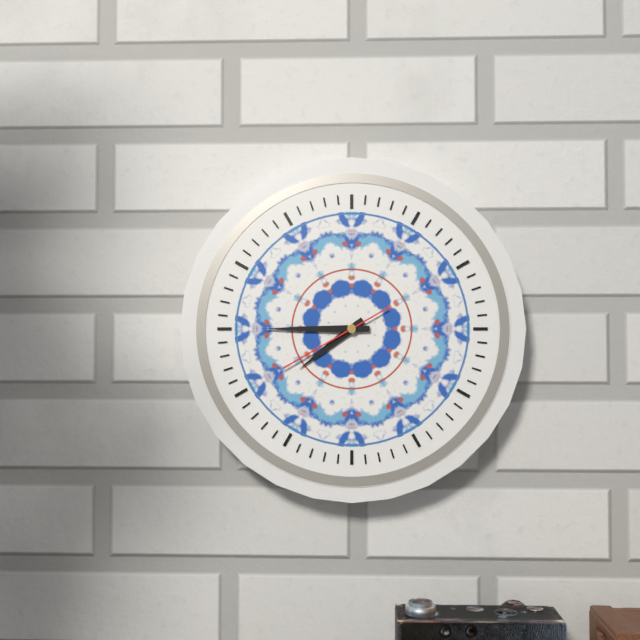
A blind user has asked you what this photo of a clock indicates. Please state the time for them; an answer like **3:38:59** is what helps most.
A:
**7:45:40**
